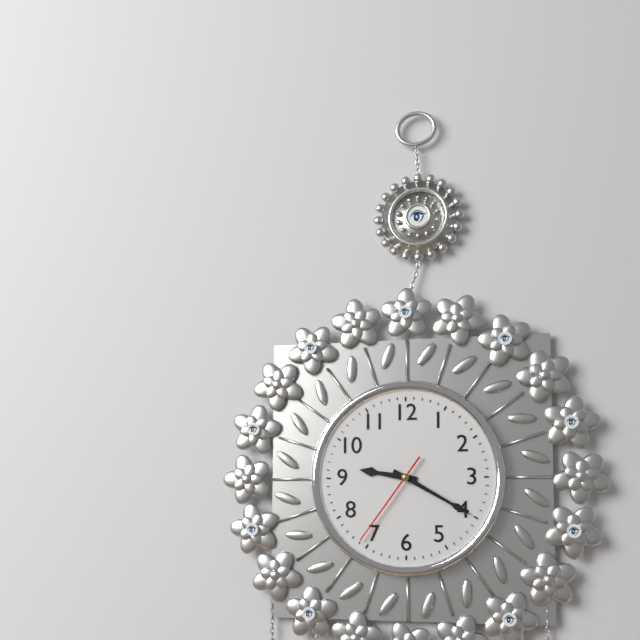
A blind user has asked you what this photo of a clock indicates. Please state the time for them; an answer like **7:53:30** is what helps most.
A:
**9:20:36**
